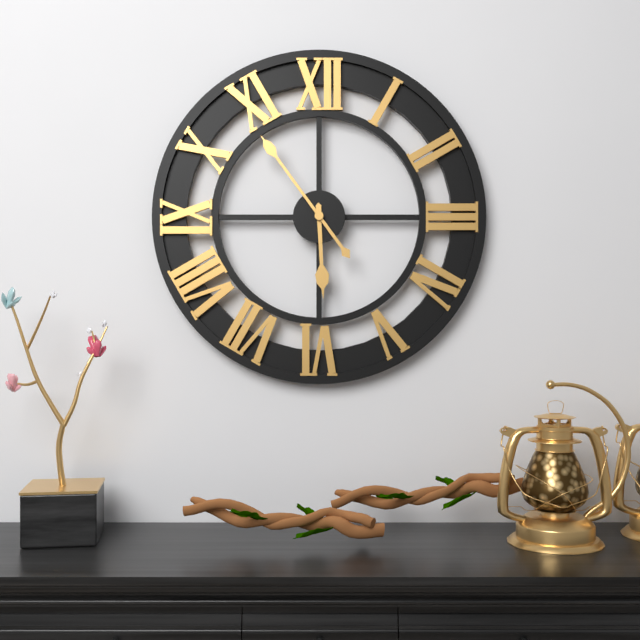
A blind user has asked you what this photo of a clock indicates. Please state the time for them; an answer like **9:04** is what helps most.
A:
**5:54**
